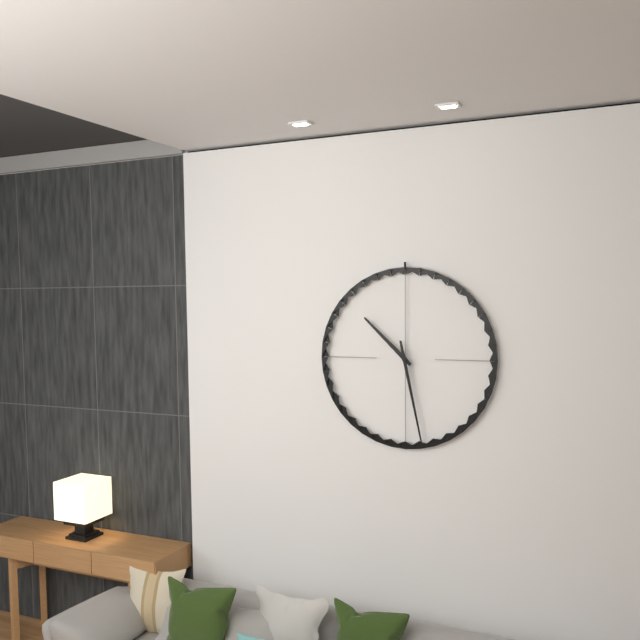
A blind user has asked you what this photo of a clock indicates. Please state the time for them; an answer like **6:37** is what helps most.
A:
**10:28**
